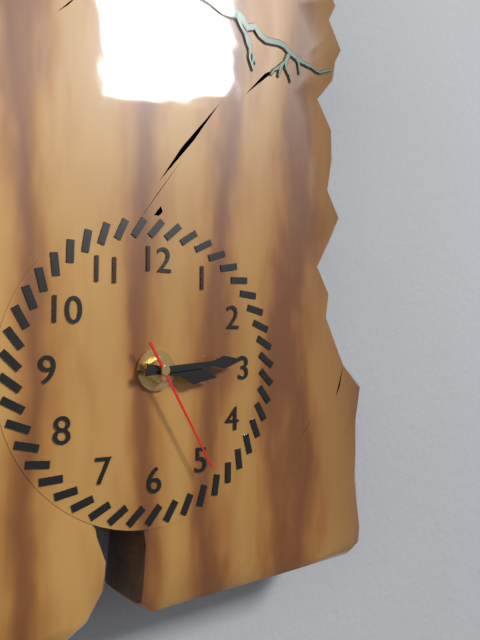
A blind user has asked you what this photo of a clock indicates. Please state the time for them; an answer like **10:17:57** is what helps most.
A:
**3:14:25**
